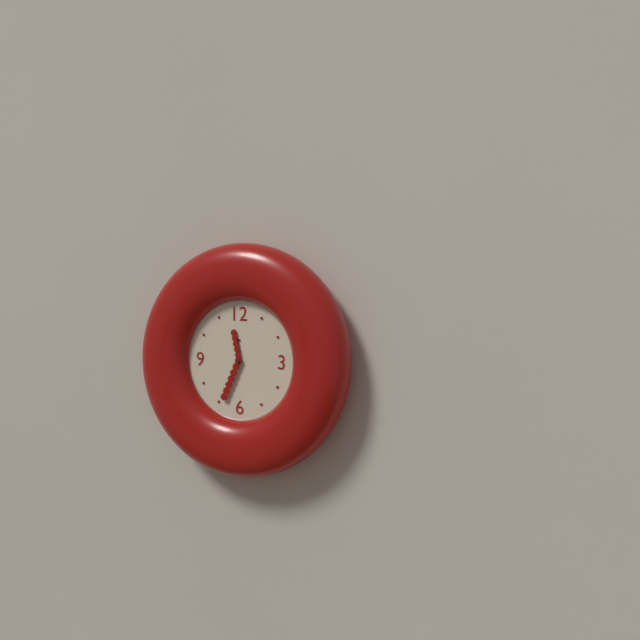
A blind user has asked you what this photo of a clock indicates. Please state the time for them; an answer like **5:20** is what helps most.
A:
**11:34**
